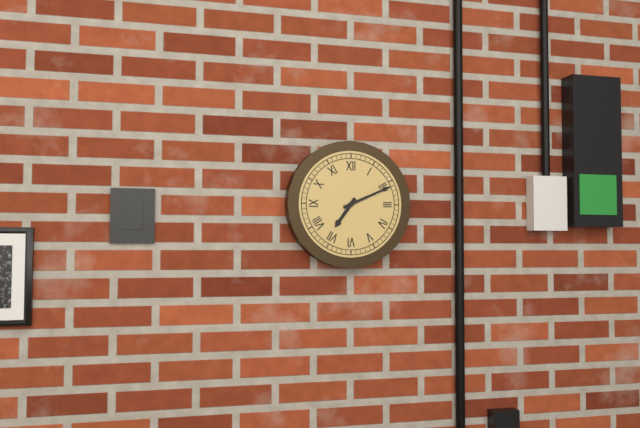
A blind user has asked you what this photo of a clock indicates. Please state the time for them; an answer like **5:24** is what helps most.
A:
**7:11**
